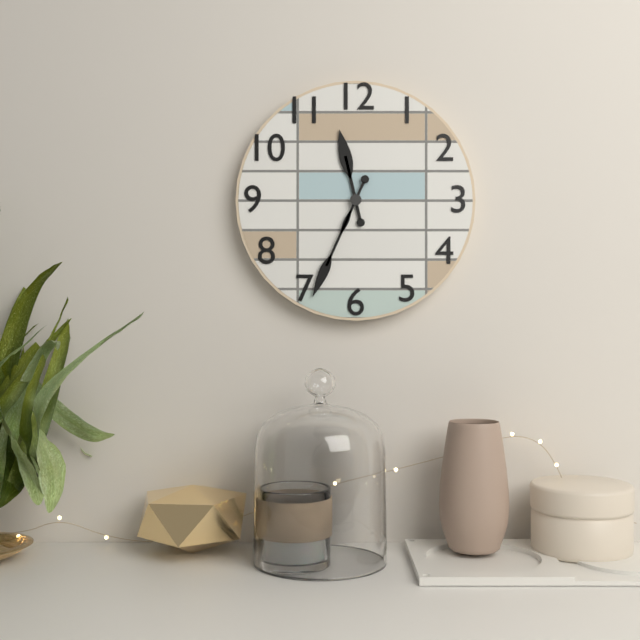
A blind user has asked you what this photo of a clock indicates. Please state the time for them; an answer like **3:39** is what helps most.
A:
**11:34**
